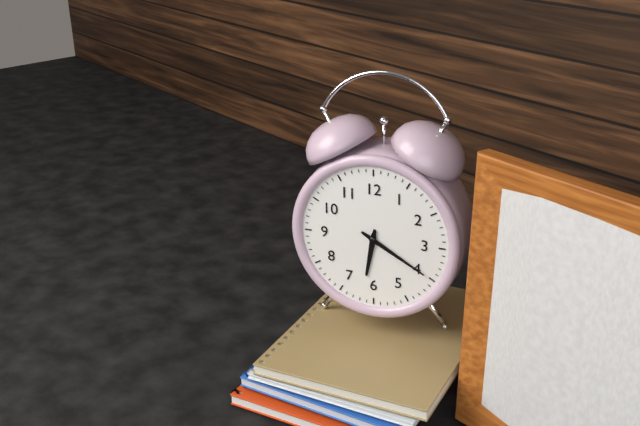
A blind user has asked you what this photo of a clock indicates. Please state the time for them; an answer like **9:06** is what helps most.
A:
**6:20**
